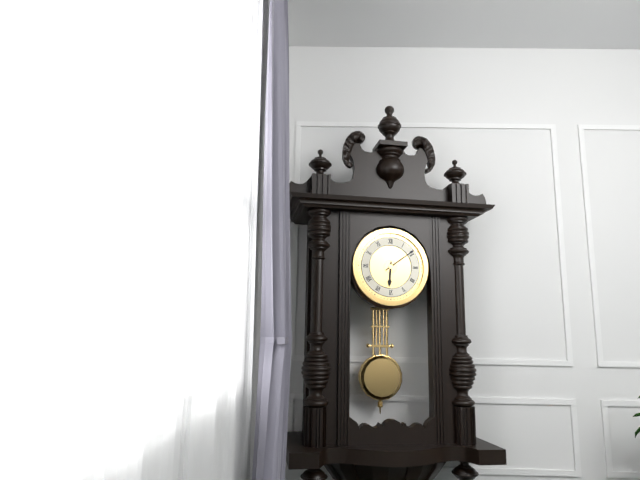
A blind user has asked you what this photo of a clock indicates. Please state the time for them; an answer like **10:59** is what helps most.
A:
**6:09**
